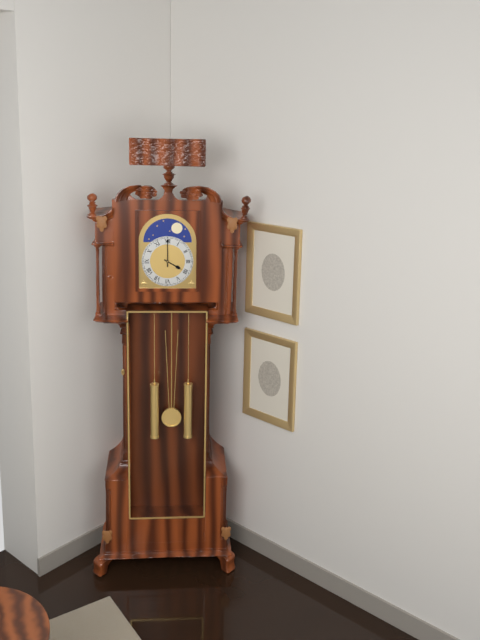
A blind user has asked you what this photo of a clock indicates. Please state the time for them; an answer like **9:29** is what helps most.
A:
**4:00**
